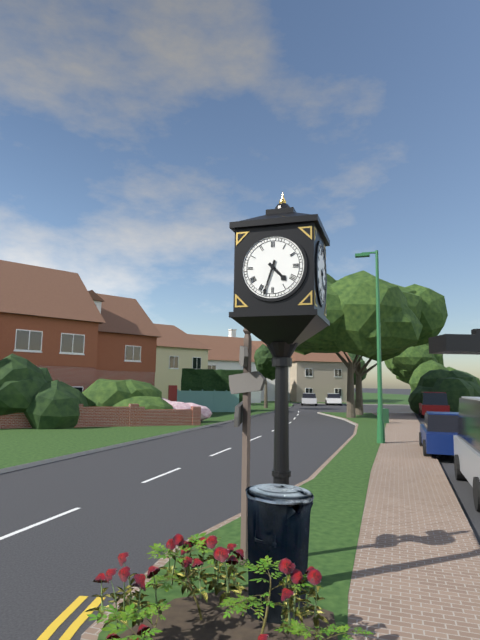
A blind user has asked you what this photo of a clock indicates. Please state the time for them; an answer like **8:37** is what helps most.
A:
**4:33**
